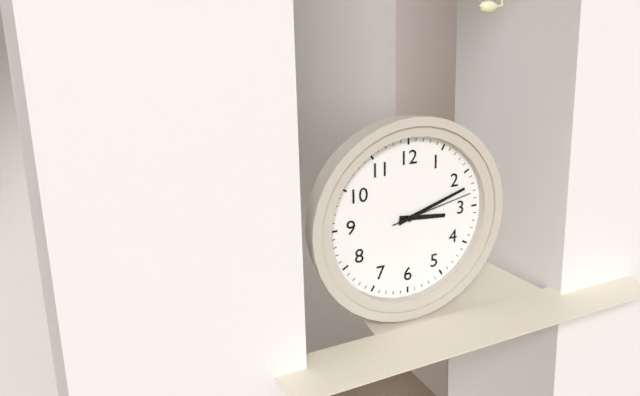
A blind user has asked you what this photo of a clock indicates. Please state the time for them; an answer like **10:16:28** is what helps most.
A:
**3:12:13**
